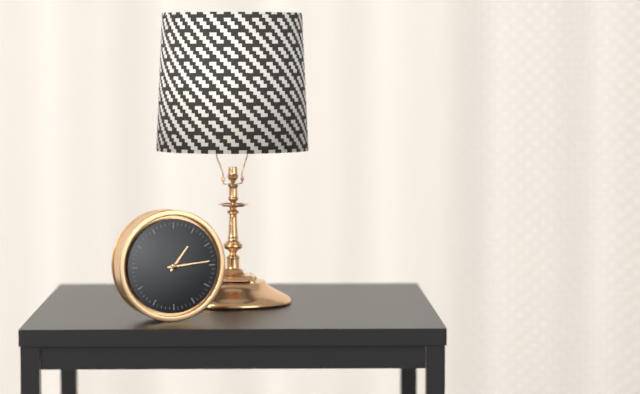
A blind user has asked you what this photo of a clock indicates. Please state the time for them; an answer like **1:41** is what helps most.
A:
**1:14**
